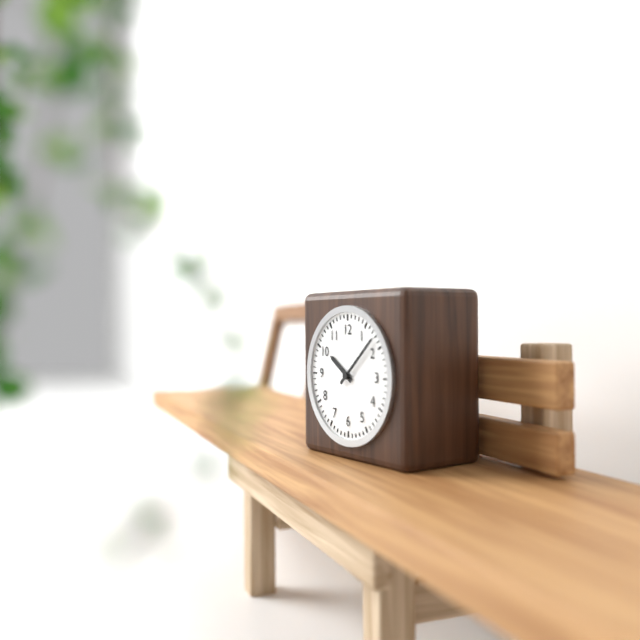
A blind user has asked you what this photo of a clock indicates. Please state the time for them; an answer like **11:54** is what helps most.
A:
**10:08**
